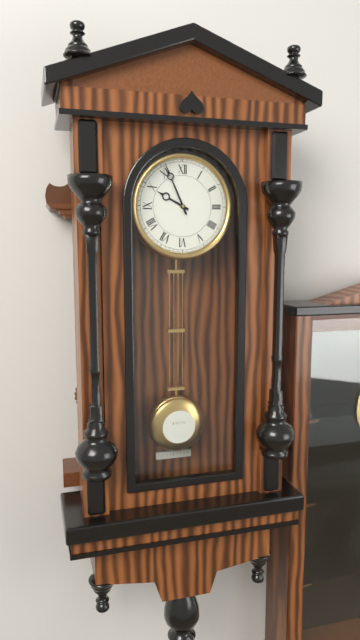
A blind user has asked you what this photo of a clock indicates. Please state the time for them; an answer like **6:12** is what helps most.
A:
**9:56**
